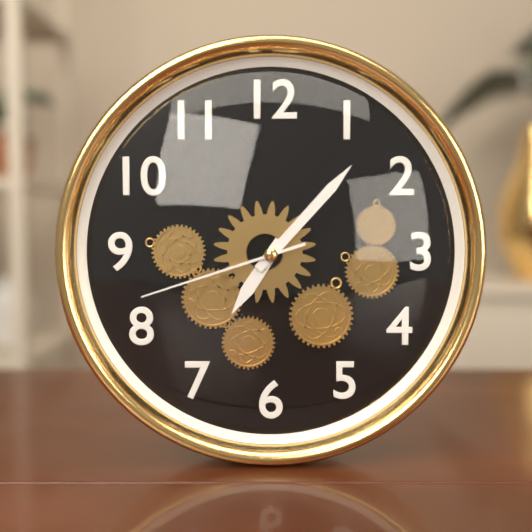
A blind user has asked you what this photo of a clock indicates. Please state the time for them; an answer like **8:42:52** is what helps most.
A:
**7:07:42**
